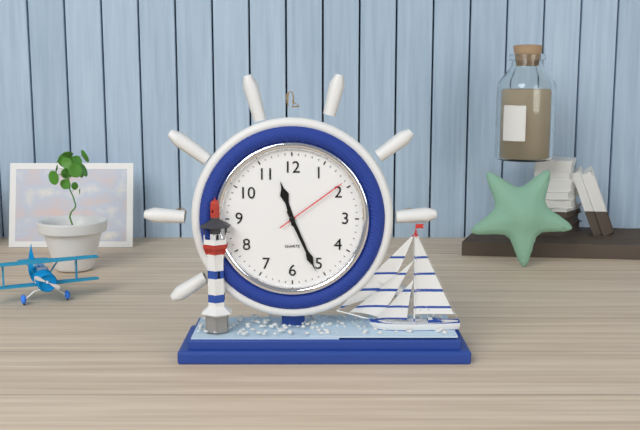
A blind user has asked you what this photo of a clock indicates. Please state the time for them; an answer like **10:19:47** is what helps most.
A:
**11:26:09**
